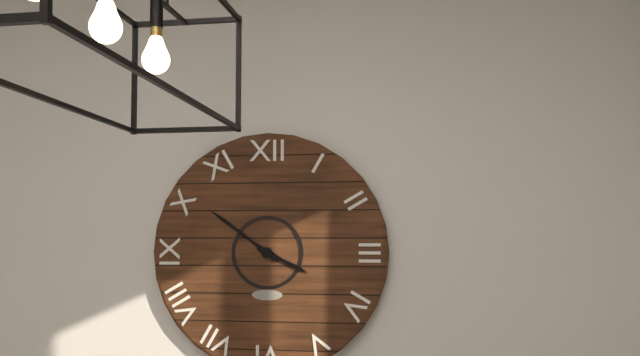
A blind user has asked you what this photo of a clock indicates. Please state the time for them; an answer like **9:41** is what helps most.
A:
**3:51**
